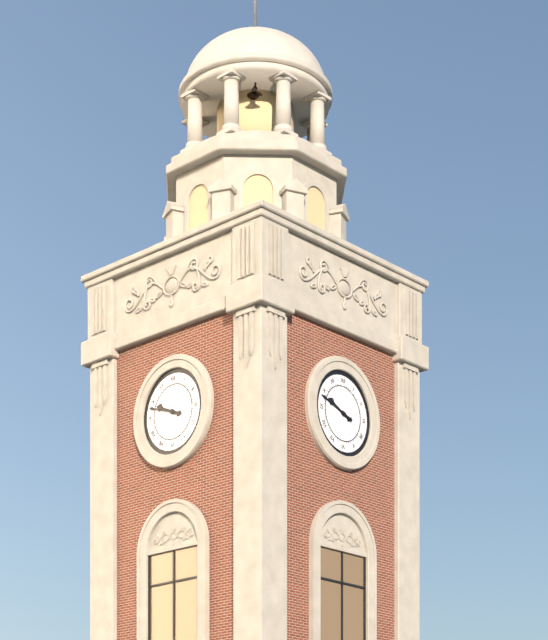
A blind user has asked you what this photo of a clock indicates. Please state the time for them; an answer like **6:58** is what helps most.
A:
**9:48**
